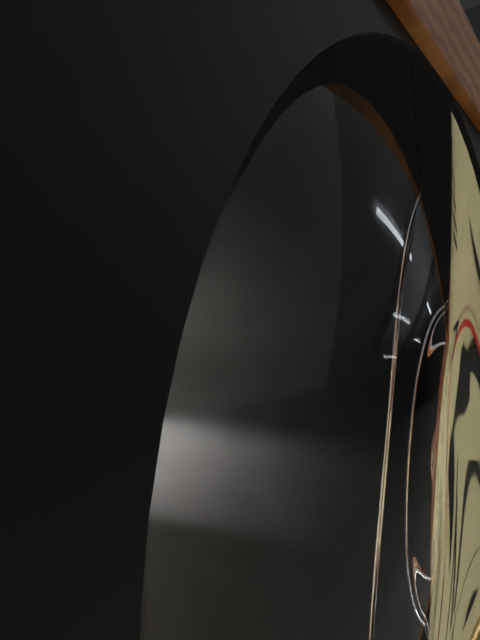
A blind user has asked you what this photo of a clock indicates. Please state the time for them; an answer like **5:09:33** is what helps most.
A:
**5:38:25**
